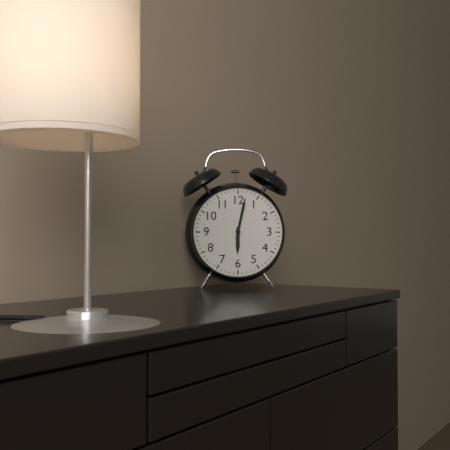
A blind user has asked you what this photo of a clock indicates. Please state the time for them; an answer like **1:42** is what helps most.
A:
**6:02**
